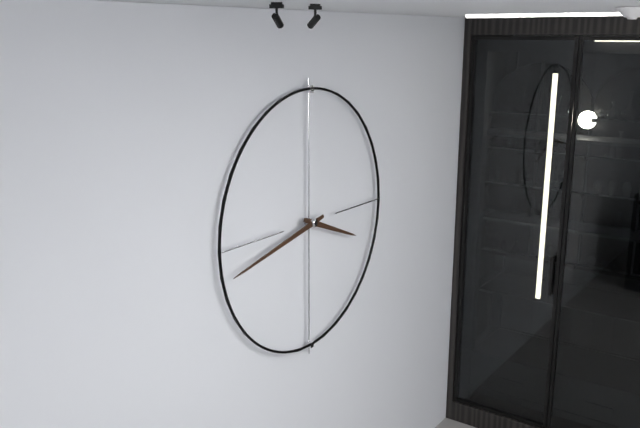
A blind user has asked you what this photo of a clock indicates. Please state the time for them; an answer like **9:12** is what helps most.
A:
**3:43**
